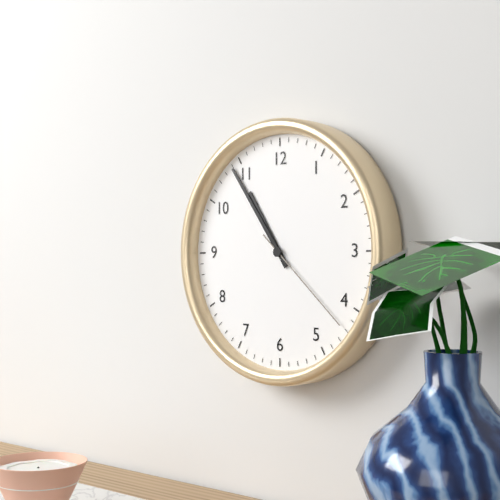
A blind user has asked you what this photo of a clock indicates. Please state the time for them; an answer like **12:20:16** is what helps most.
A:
**10:54:22**
